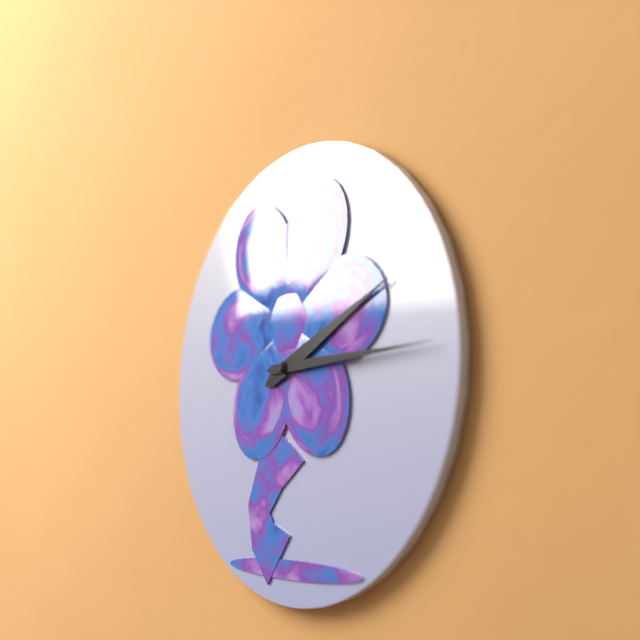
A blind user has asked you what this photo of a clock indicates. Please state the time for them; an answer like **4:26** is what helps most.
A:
**2:15**
